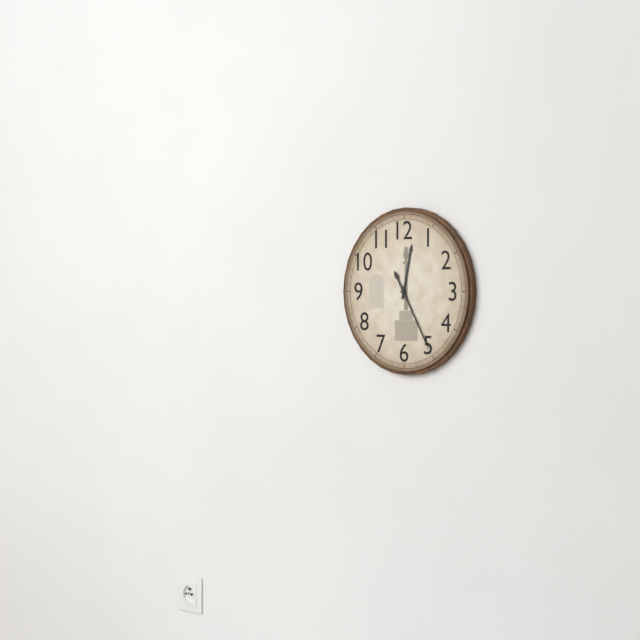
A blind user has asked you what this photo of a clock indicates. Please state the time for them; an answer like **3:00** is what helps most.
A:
**12:25**
